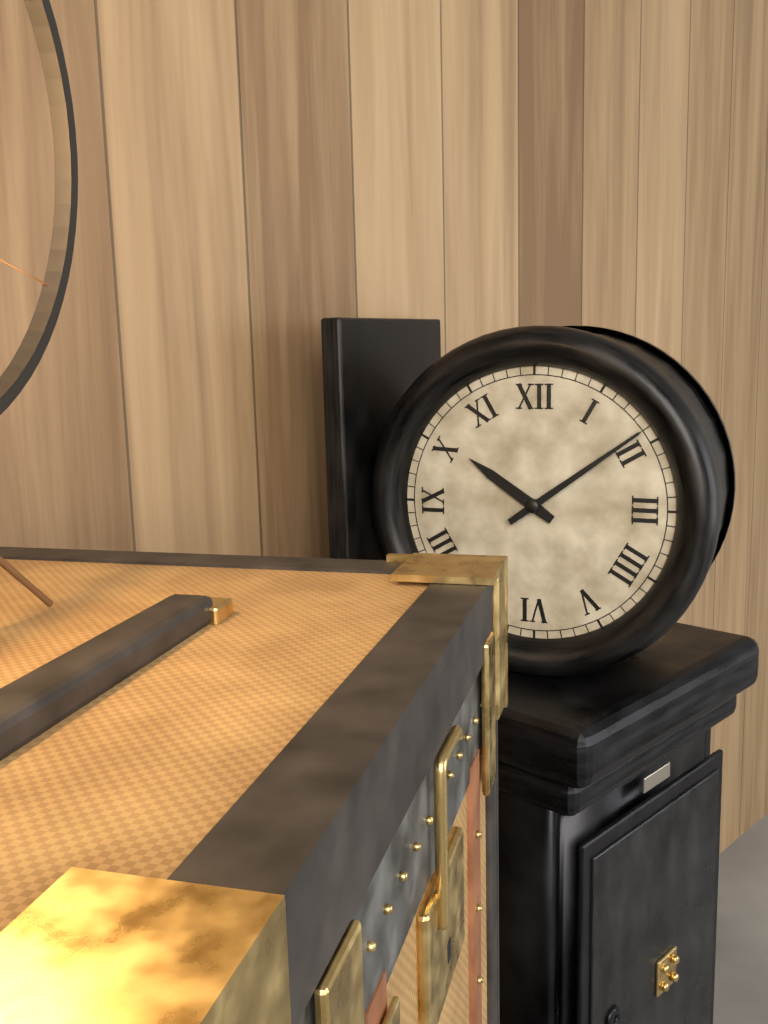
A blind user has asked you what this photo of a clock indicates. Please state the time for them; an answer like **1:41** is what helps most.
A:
**10:09**
